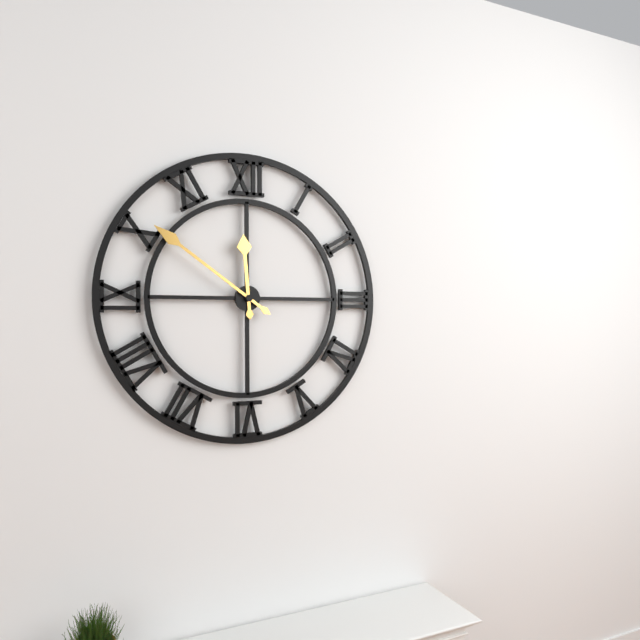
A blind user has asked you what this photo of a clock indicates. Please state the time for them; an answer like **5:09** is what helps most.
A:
**11:51**
